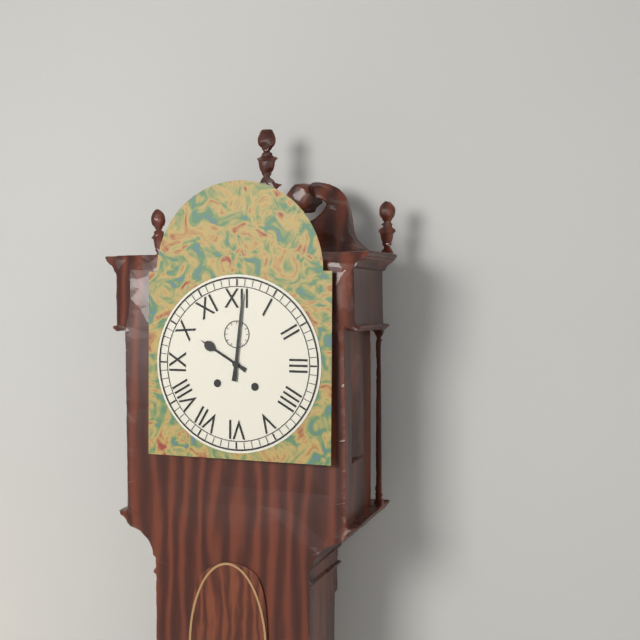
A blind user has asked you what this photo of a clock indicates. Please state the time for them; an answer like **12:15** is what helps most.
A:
**10:01**
